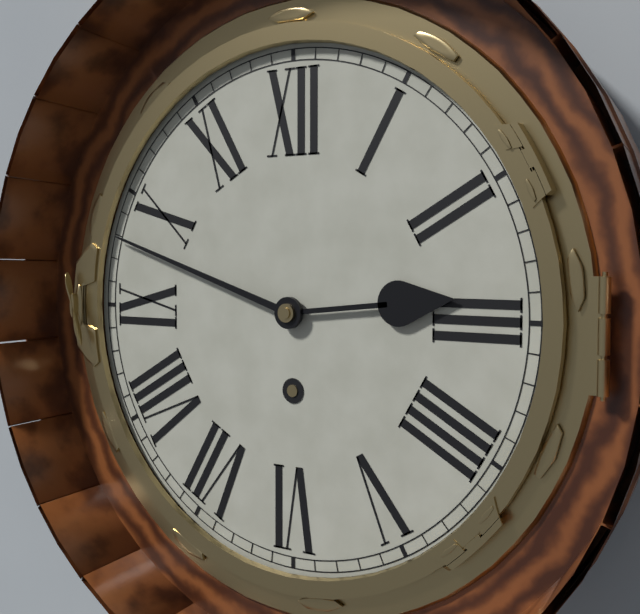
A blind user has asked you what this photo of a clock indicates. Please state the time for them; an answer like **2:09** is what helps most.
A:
**2:48**
